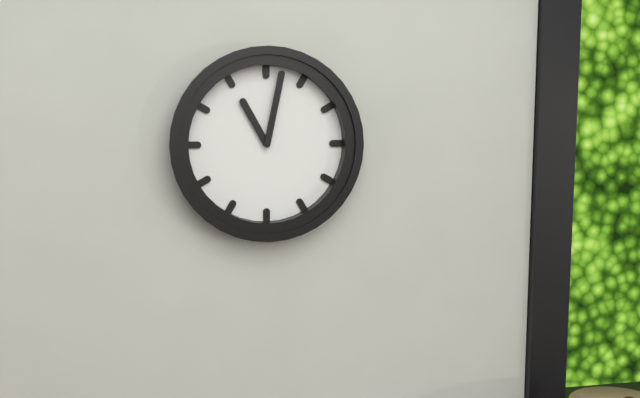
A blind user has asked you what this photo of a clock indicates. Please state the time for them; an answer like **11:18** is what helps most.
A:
**11:02**
